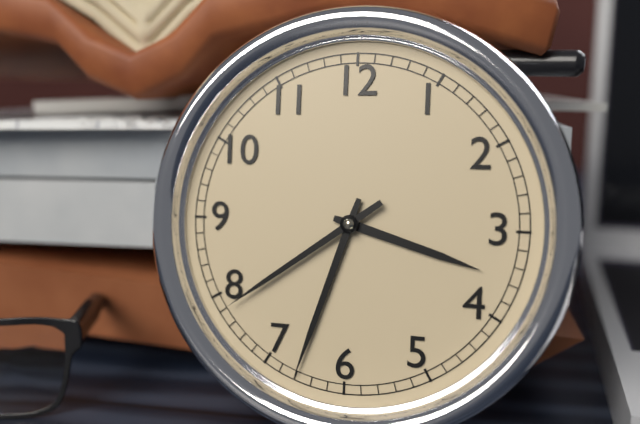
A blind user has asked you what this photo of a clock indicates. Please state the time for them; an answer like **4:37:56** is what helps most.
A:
**3:33:39**
